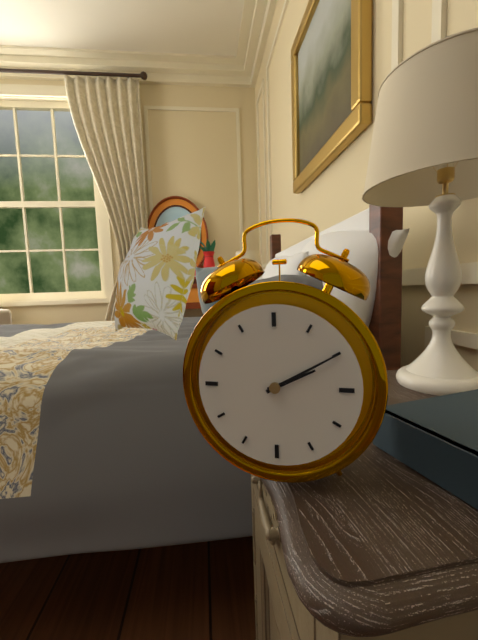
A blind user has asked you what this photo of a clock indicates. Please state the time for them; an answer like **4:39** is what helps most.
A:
**2:10**
